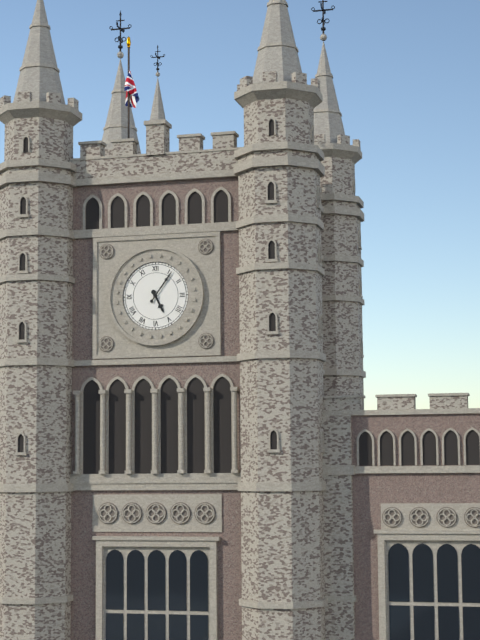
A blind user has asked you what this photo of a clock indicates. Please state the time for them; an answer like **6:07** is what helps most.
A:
**5:06**
